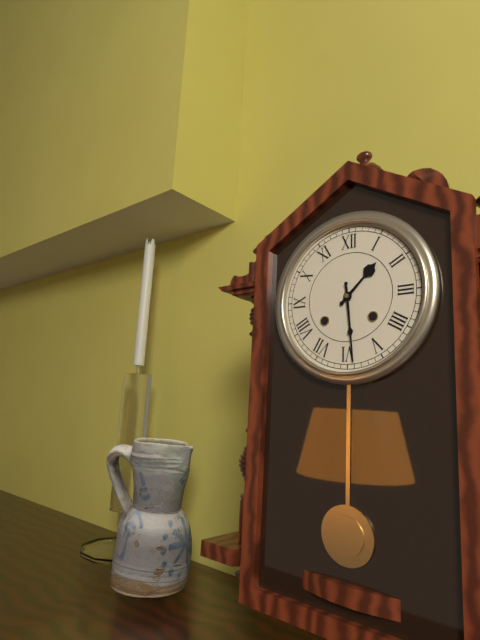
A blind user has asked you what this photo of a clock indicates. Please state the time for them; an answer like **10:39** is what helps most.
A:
**1:29**
